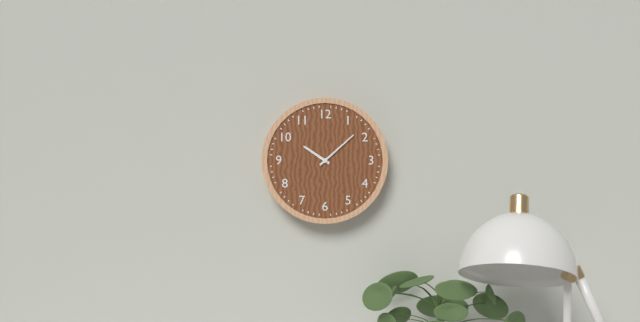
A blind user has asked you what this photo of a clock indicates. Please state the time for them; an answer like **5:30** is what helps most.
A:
**10:08**
